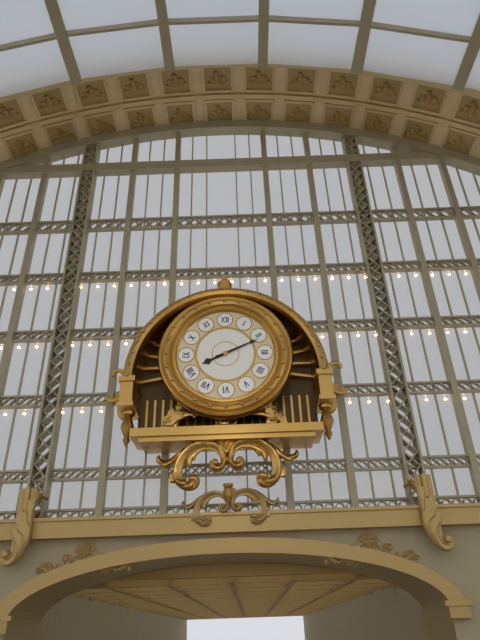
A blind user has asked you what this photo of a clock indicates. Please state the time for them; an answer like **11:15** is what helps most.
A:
**8:11**
